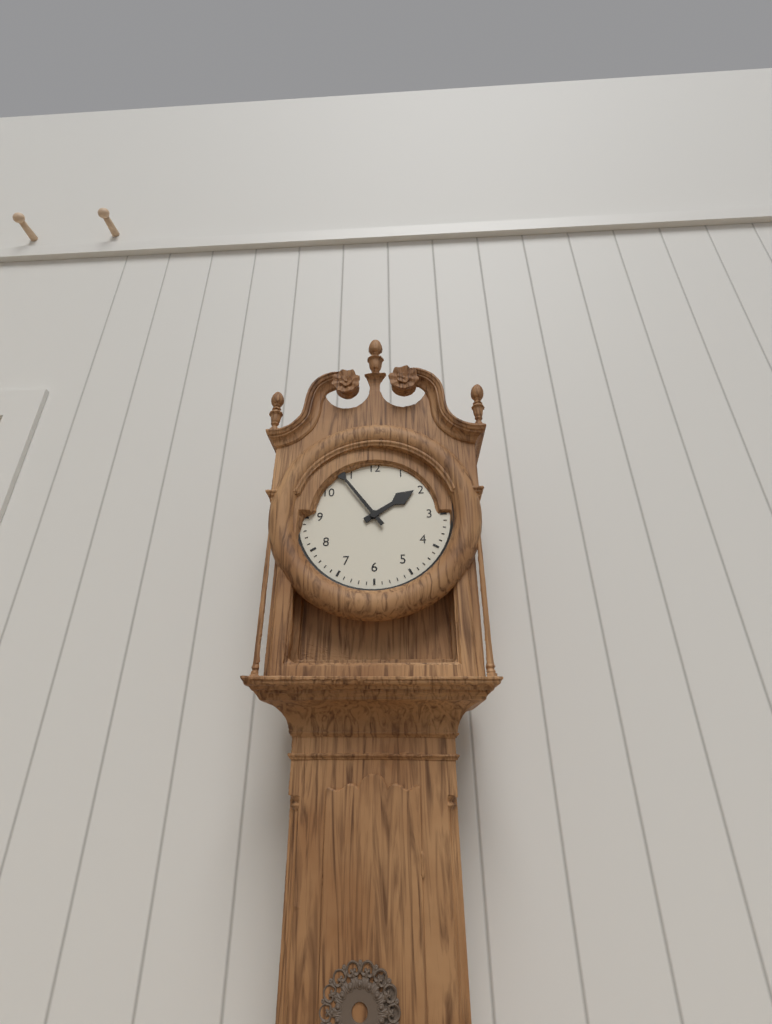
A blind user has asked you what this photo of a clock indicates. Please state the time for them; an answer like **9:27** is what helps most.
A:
**1:54**
